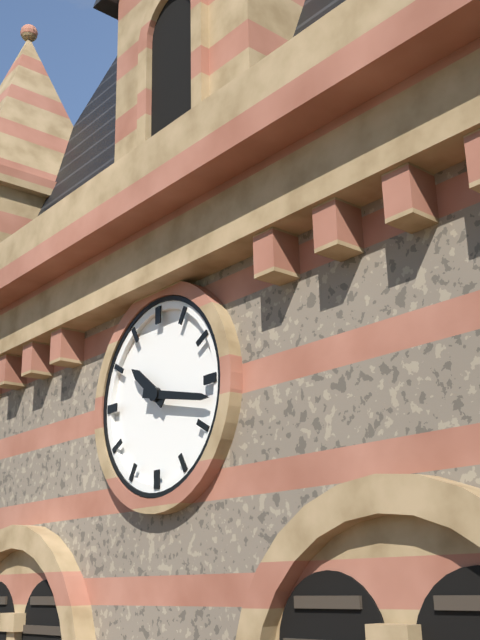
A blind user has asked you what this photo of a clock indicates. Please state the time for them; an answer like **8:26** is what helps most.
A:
**10:17**
